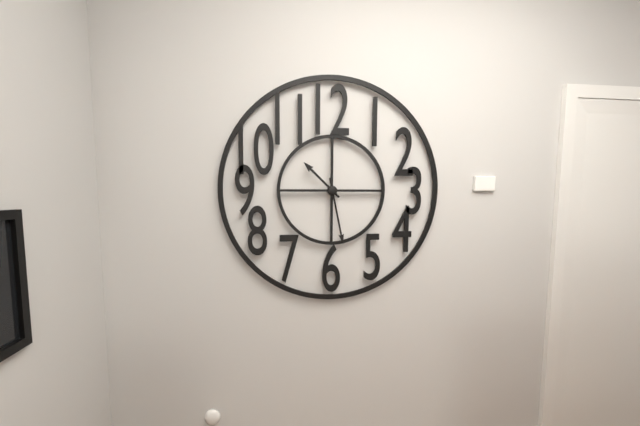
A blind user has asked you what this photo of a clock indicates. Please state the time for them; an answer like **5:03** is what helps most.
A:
**10:28**
